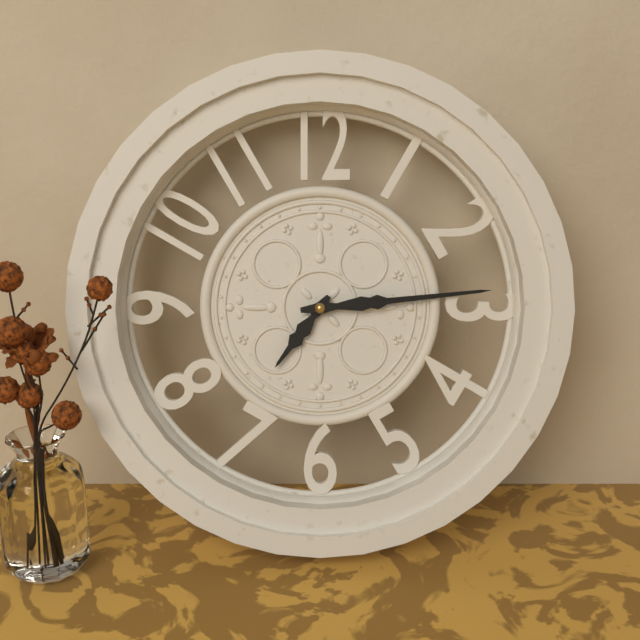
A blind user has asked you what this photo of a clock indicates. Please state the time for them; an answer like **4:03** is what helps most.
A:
**7:14**
